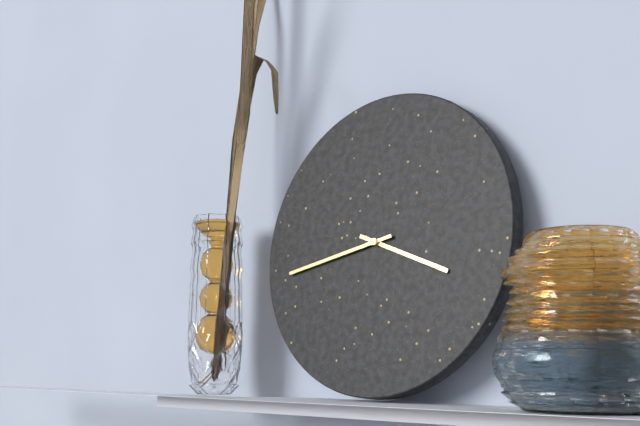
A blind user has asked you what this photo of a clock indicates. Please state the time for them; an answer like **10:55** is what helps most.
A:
**3:43**
